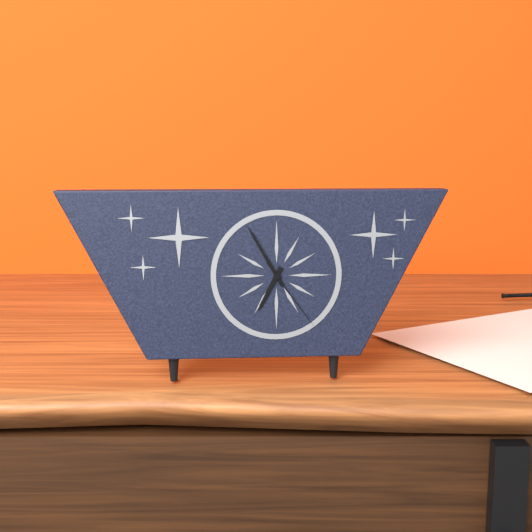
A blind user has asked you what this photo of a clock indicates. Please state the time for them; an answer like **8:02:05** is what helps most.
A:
**6:55:24**
